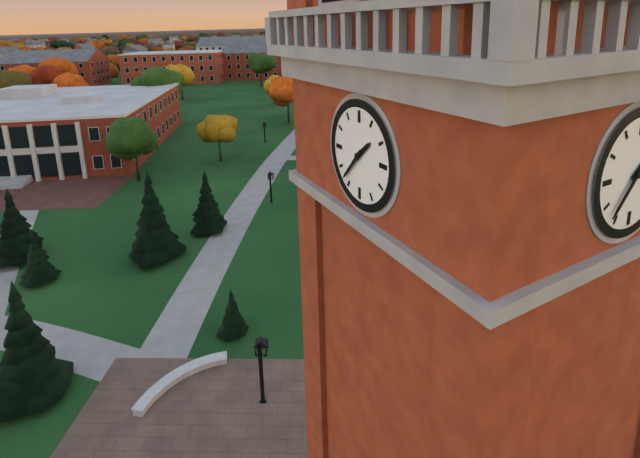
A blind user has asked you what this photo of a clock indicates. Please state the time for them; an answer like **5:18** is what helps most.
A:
**1:37**
